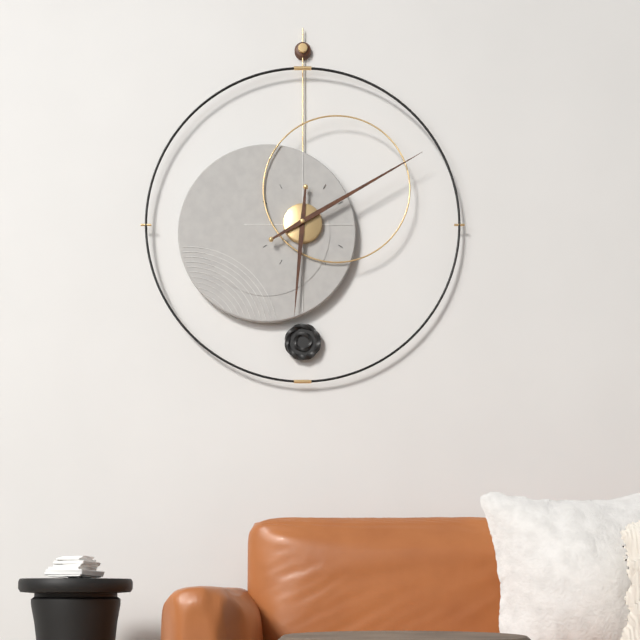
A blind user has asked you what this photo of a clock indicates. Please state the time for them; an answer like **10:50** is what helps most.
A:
**6:10**
